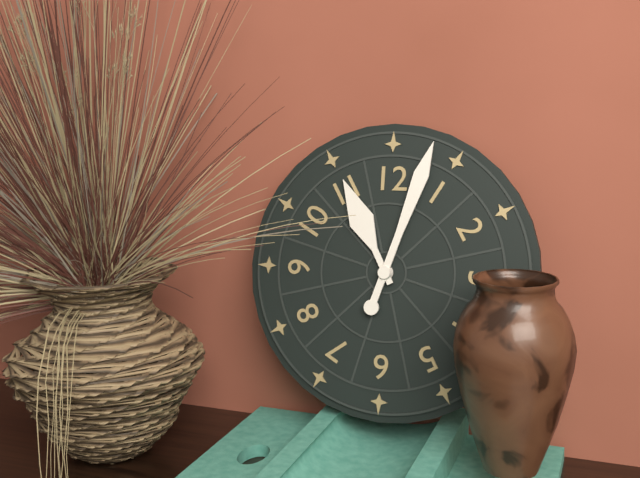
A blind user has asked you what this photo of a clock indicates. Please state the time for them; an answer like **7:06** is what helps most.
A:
**11:03**
